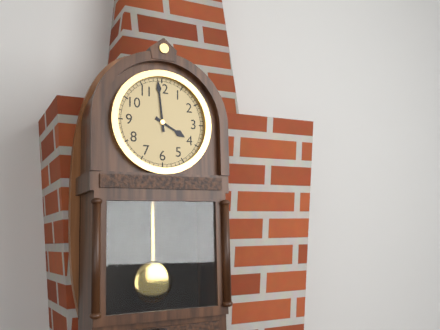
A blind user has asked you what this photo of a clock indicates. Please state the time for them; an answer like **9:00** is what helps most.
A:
**3:59**
